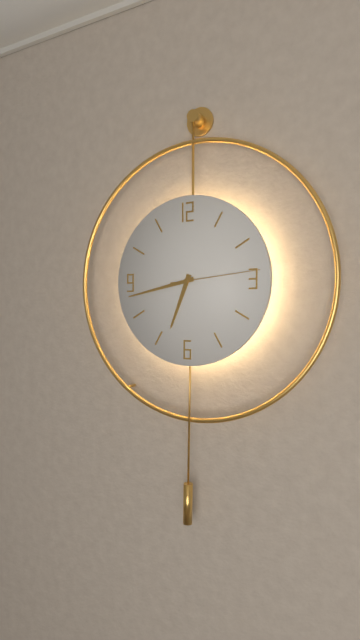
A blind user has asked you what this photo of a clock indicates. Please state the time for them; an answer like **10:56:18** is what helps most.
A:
**6:43:14**
